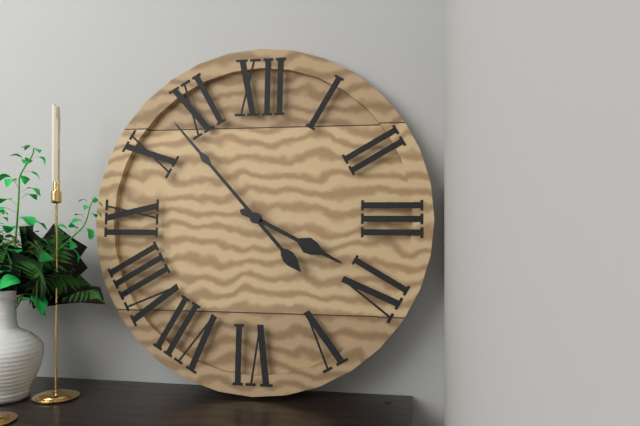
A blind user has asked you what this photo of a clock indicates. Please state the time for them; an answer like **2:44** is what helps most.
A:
**3:53**
